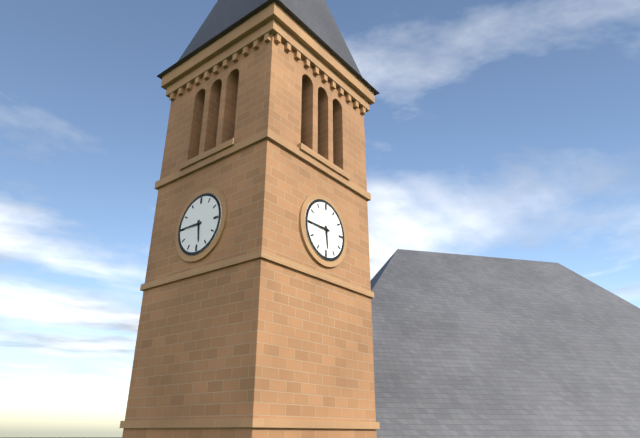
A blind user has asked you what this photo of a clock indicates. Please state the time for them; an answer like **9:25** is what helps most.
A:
**5:45**
